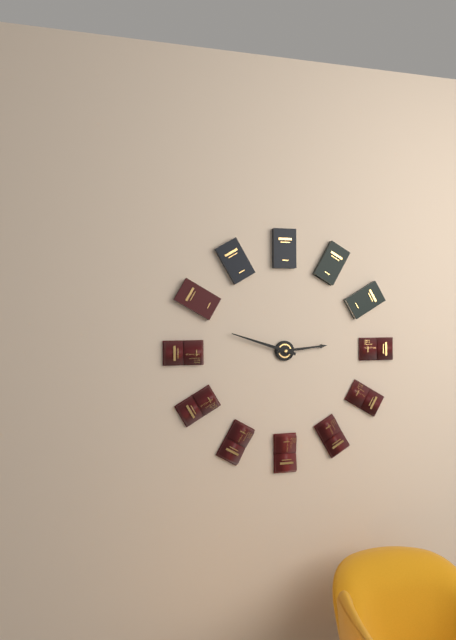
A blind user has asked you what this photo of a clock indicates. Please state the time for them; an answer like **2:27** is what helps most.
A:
**2:48**
